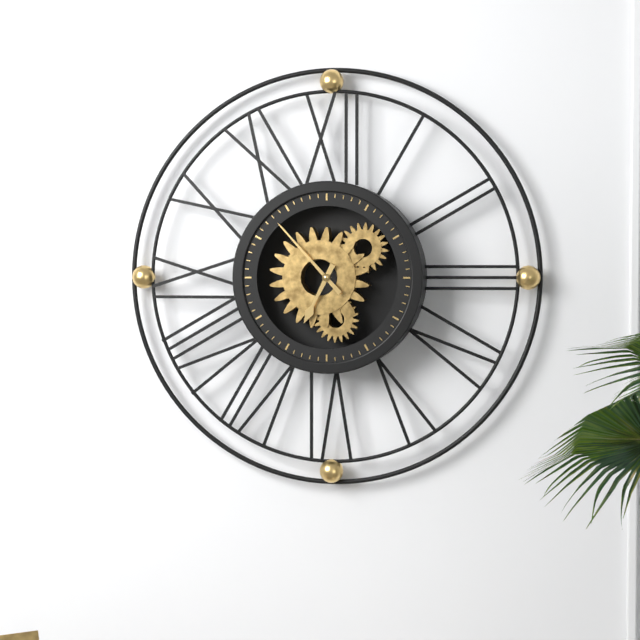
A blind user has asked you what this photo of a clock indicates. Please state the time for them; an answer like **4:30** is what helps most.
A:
**6:53**
